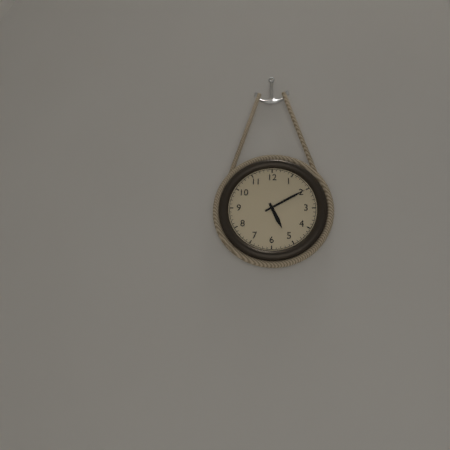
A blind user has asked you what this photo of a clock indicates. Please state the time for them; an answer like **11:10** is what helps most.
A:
**5:10**
